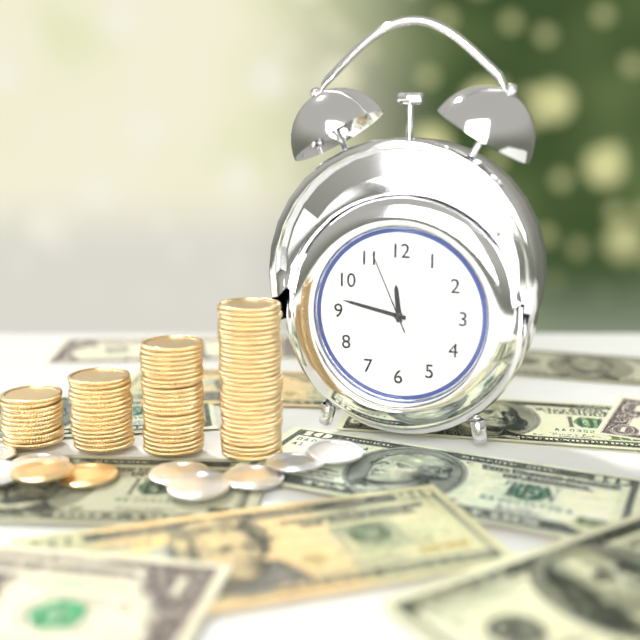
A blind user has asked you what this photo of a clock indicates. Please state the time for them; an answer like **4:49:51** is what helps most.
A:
**11:47:56**
